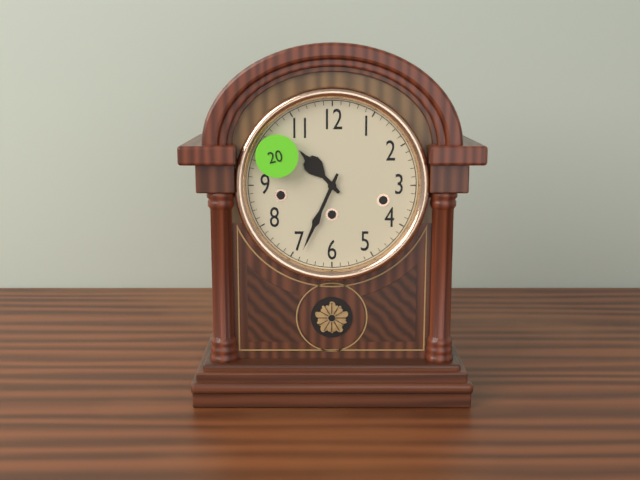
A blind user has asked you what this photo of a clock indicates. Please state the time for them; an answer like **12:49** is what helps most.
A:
**10:34**
